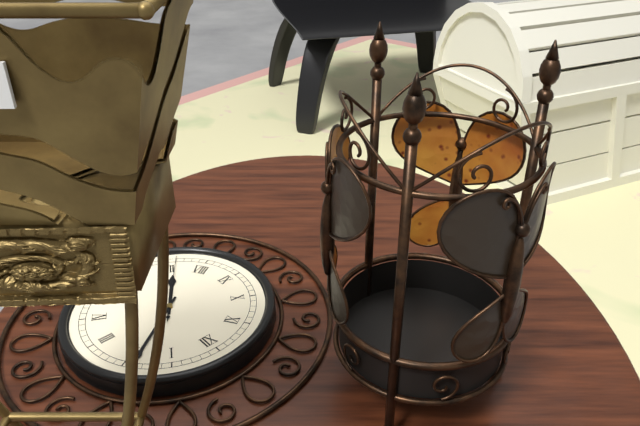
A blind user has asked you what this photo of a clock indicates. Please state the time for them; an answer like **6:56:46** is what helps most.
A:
**7:09:36**
